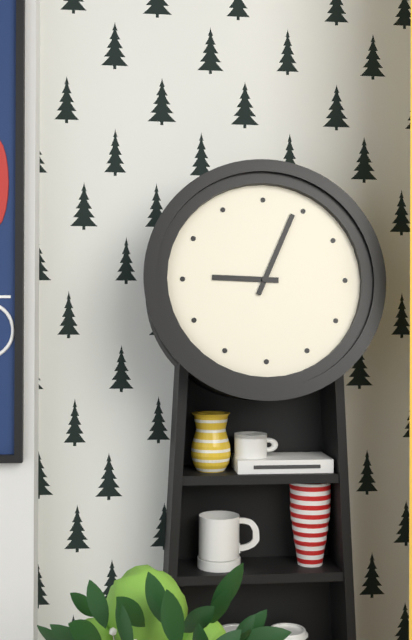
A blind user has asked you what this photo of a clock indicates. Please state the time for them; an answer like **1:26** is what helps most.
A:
**9:04**
